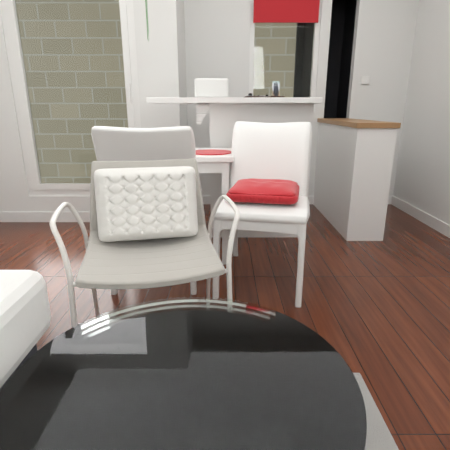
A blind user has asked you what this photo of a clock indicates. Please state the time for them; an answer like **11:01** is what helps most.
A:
**6:02**
